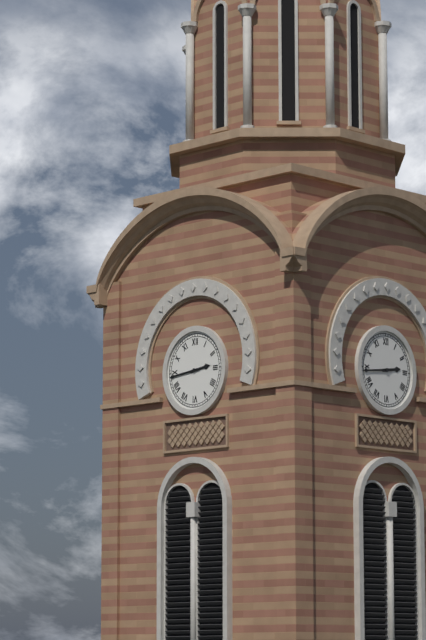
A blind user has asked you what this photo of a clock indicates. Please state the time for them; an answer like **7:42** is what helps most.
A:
**2:44**
